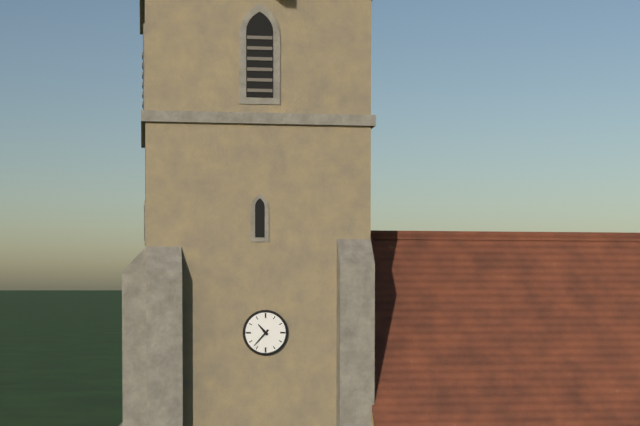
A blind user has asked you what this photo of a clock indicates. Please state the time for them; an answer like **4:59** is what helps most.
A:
**10:37**
